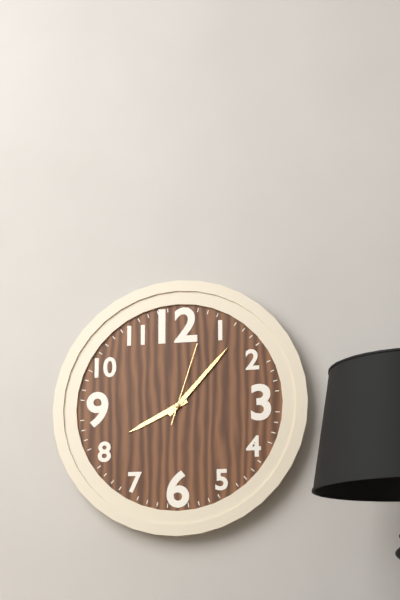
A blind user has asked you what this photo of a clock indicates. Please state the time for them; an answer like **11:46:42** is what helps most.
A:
**8:07:03**
